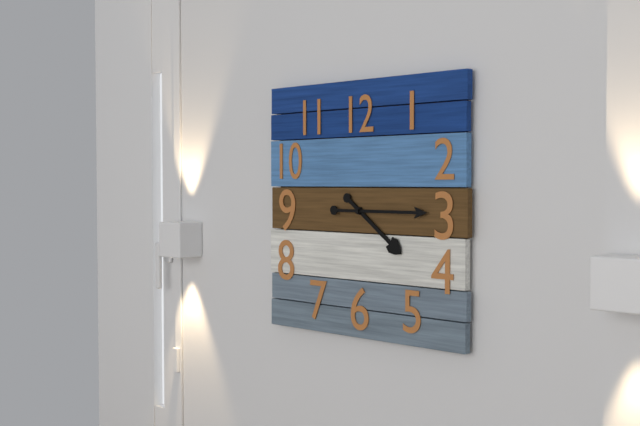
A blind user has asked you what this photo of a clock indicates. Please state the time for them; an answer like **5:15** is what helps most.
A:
**4:15**
